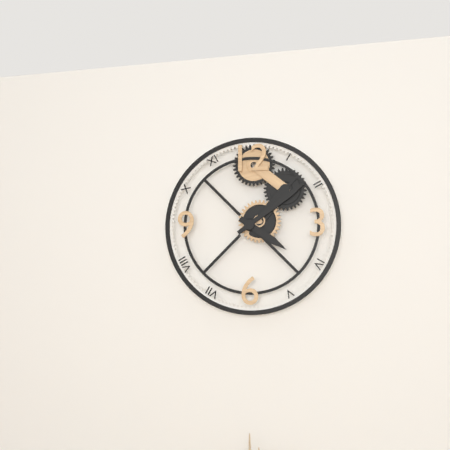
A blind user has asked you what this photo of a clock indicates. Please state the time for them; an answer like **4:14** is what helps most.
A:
**4:09**
